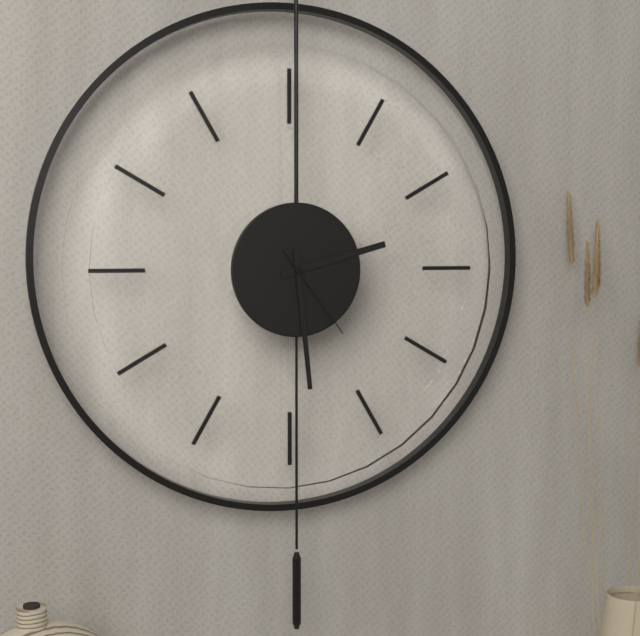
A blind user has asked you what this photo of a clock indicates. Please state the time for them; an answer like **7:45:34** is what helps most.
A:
**2:29:24**
